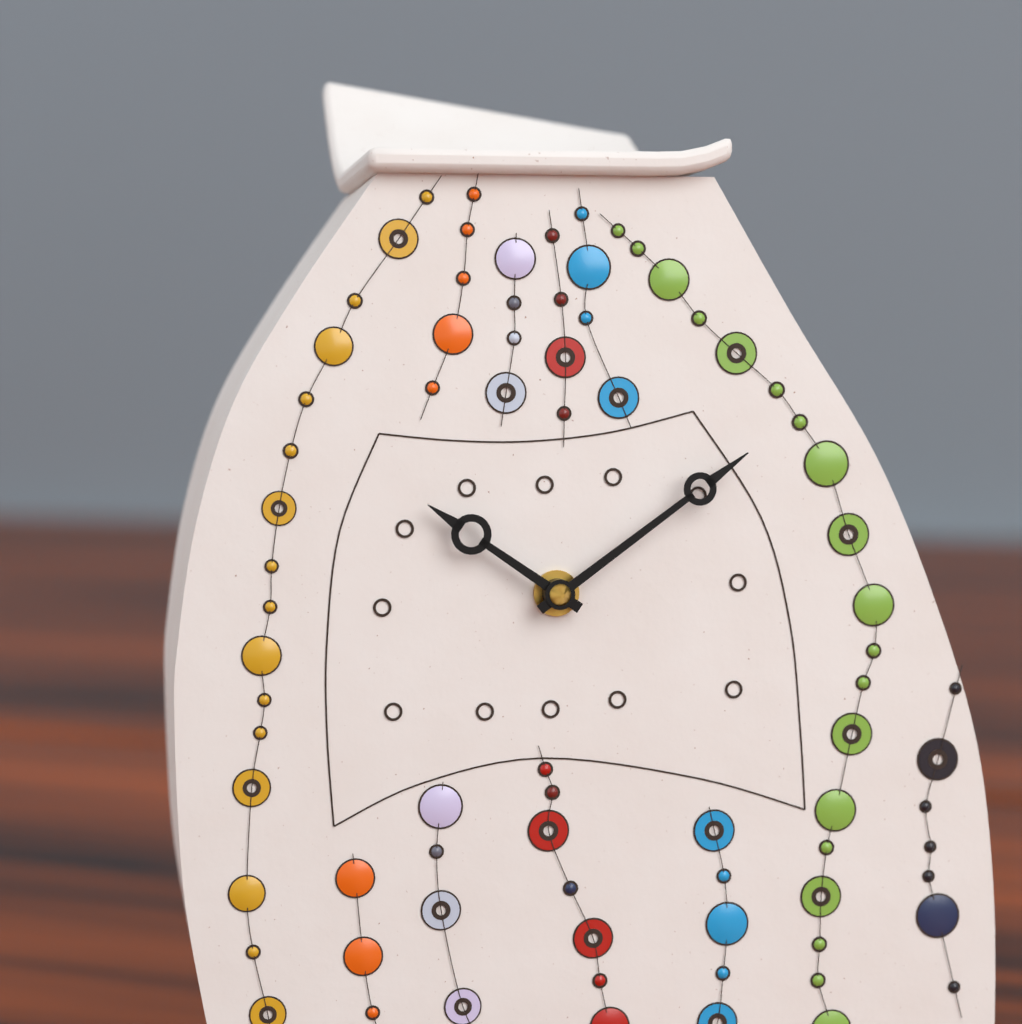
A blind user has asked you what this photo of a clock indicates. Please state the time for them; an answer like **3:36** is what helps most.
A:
**10:09**
